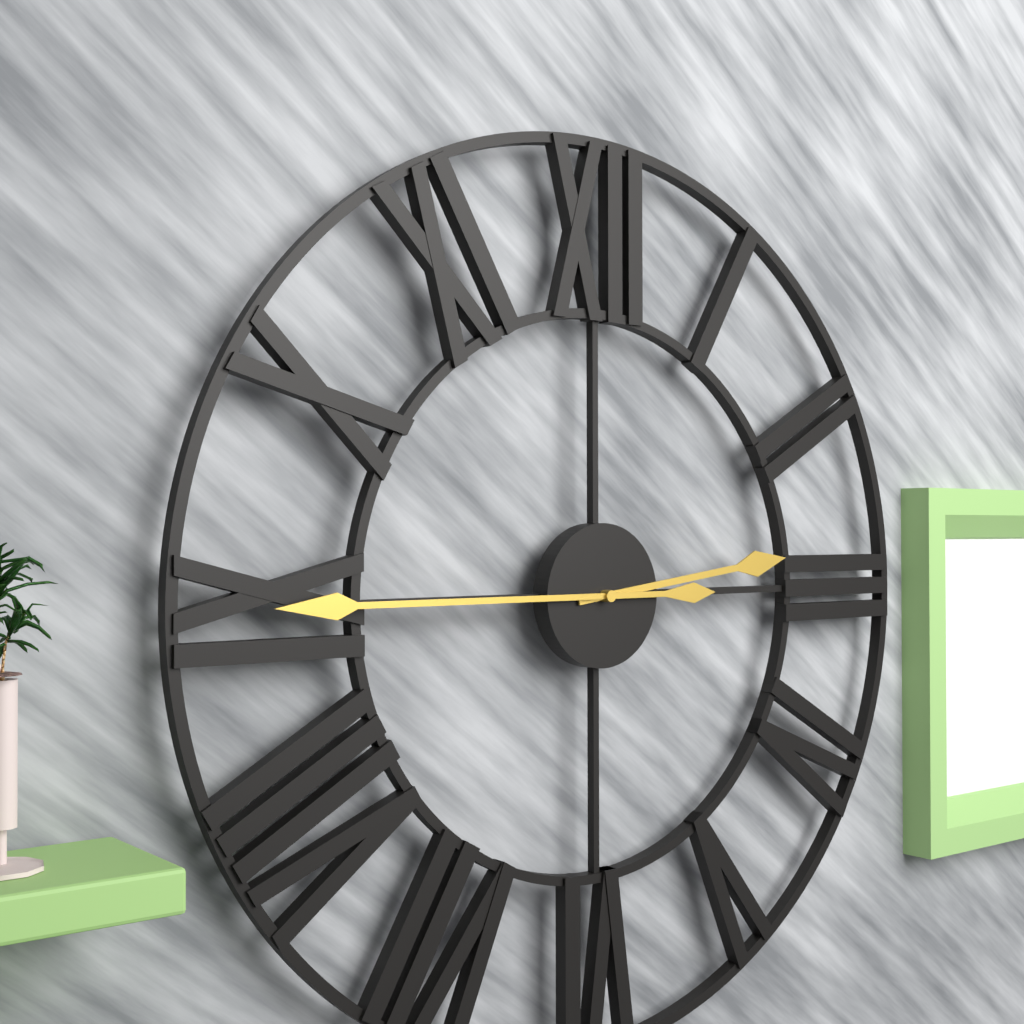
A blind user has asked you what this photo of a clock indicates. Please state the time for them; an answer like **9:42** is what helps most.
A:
**2:45**
